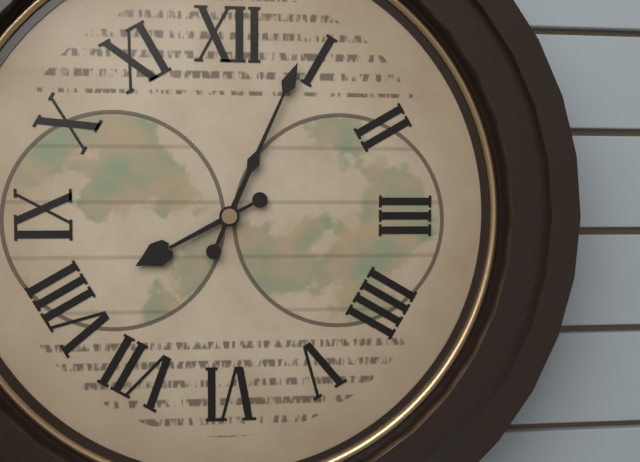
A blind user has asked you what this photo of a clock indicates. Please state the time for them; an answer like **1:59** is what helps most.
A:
**8:04**
